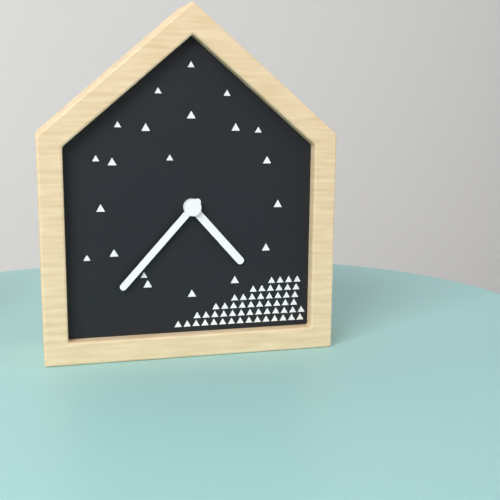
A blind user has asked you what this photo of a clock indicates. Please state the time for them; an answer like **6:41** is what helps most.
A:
**4:37**
